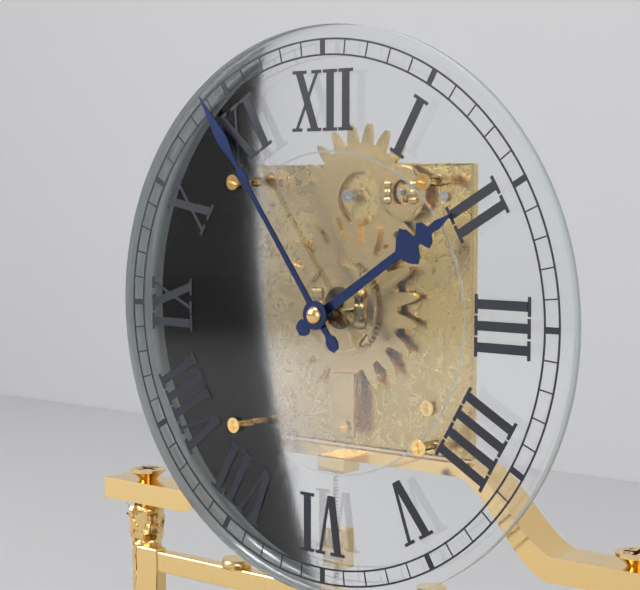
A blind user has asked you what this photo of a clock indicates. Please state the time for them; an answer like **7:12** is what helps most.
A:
**1:54**
